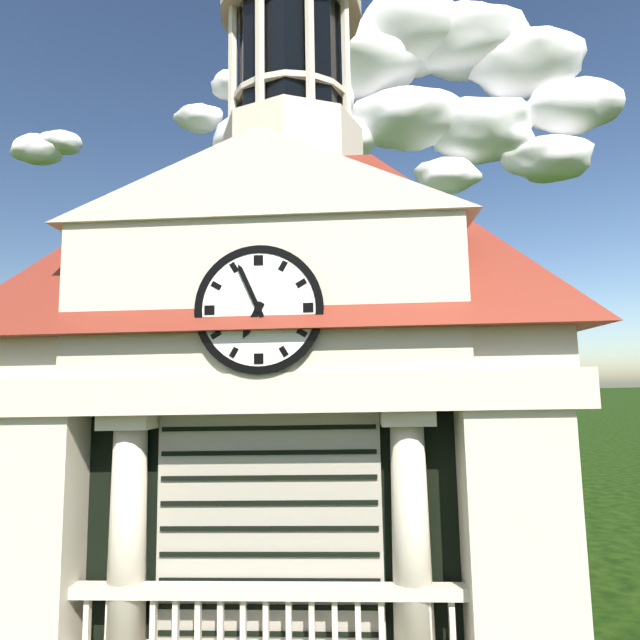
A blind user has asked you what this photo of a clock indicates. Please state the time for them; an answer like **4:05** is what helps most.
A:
**6:56**
